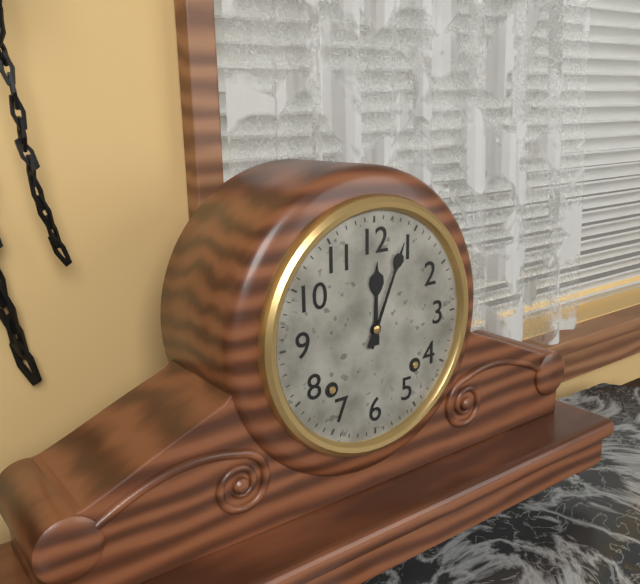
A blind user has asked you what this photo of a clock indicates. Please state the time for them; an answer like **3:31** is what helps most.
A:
**12:04**
